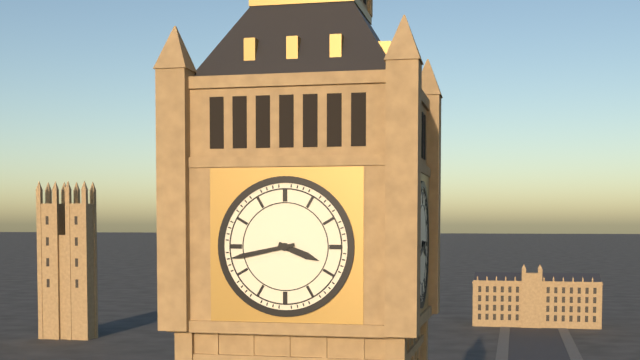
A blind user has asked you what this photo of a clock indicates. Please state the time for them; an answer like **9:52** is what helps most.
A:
**3:43**
